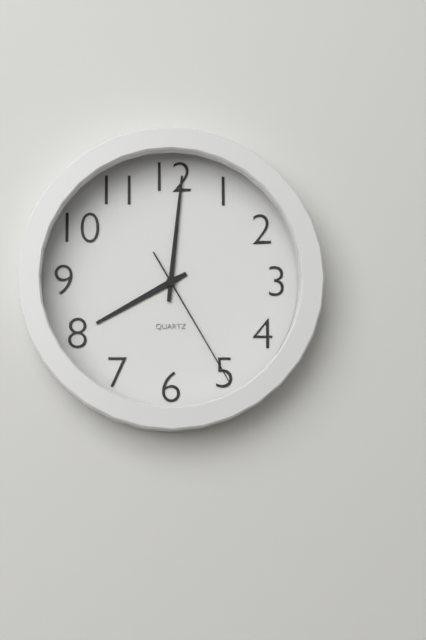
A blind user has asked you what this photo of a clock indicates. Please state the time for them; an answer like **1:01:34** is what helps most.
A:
**8:01:25**
